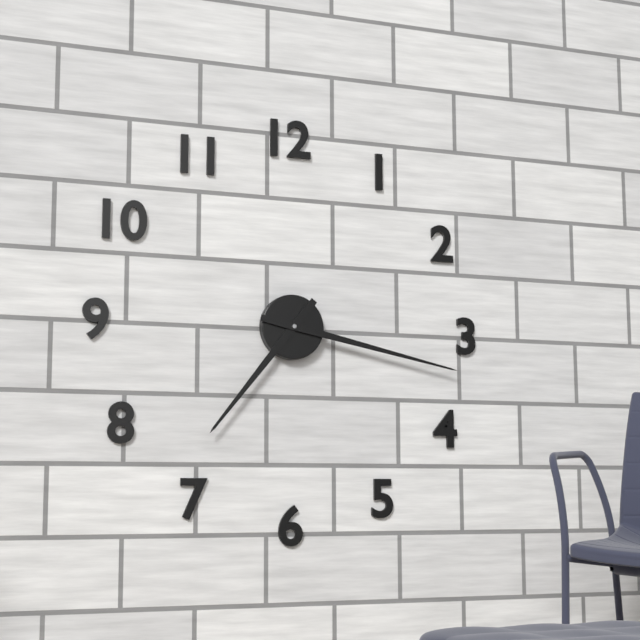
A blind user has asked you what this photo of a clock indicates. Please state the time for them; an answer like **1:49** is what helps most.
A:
**7:17**
